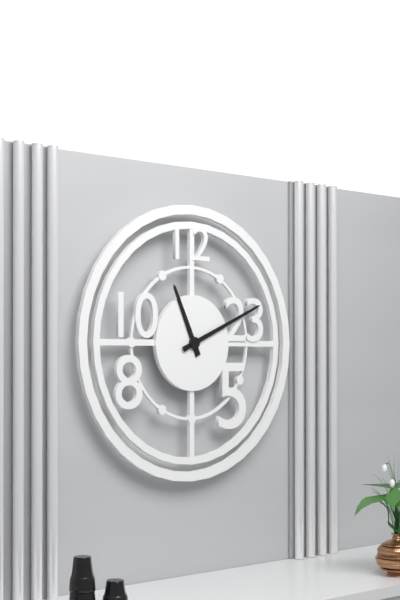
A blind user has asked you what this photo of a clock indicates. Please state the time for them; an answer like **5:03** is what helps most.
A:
**11:11**
